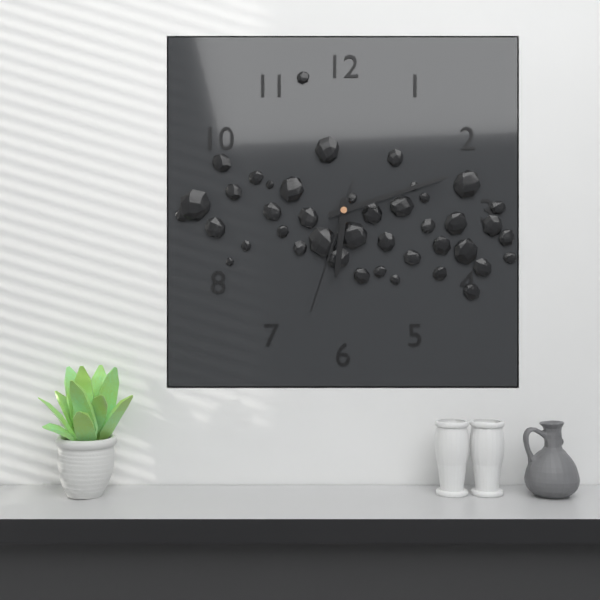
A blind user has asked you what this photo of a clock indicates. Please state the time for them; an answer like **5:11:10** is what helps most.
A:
**6:12:33**
